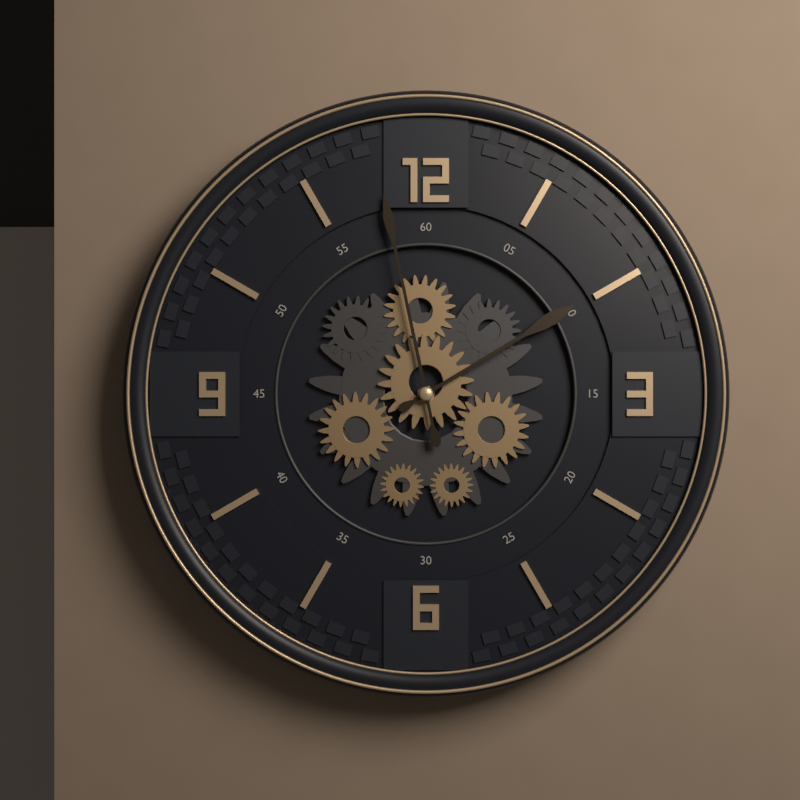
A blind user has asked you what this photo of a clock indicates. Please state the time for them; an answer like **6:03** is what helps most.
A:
**1:58**
